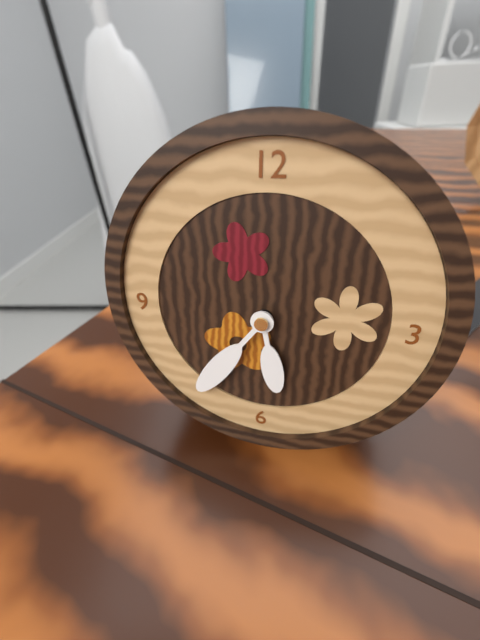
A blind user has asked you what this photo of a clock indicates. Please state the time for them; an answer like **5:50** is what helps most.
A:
**5:36**
